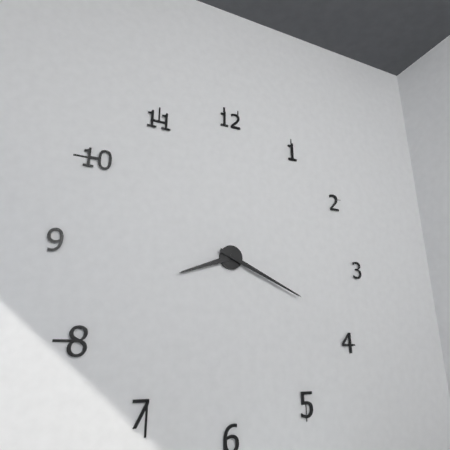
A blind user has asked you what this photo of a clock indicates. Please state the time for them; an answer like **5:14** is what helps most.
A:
**8:19**
